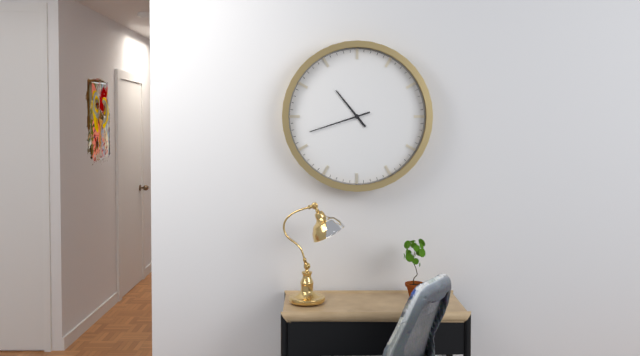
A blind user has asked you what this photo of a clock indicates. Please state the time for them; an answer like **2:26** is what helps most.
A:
**10:42**
